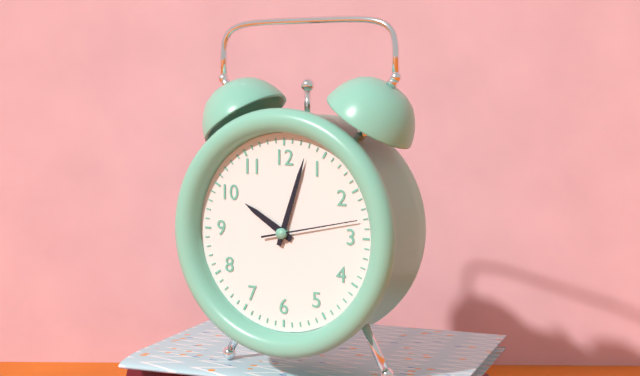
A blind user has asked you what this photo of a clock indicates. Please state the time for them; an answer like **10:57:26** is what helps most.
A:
**10:03:13**
